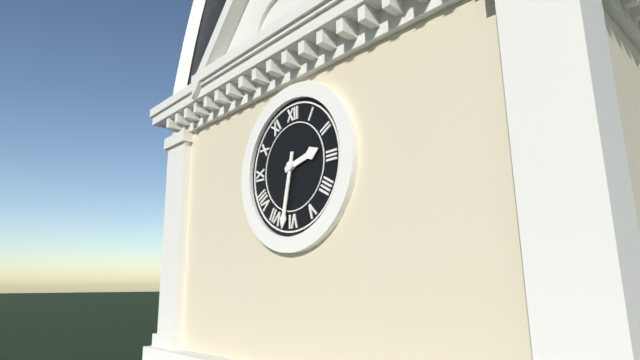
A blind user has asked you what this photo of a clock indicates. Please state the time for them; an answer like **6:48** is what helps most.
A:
**2:32**
